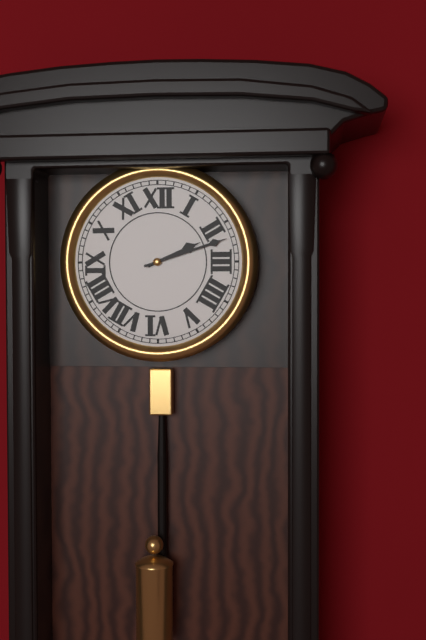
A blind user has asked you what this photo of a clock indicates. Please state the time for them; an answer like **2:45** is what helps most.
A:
**2:12**
